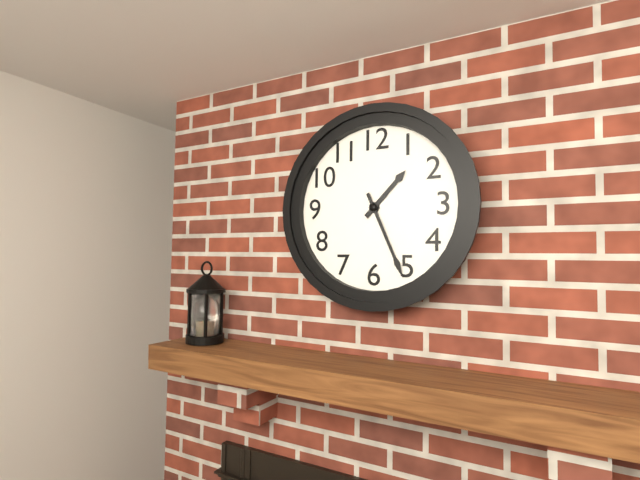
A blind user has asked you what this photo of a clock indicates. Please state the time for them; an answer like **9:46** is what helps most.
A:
**1:26**
